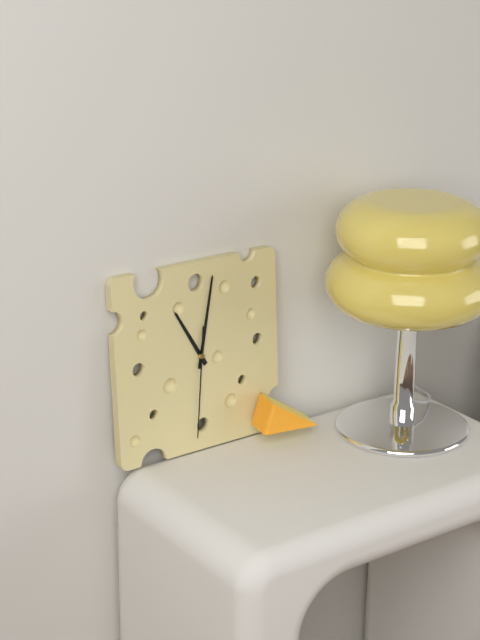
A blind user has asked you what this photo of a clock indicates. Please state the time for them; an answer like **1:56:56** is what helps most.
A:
**11:02:31**
